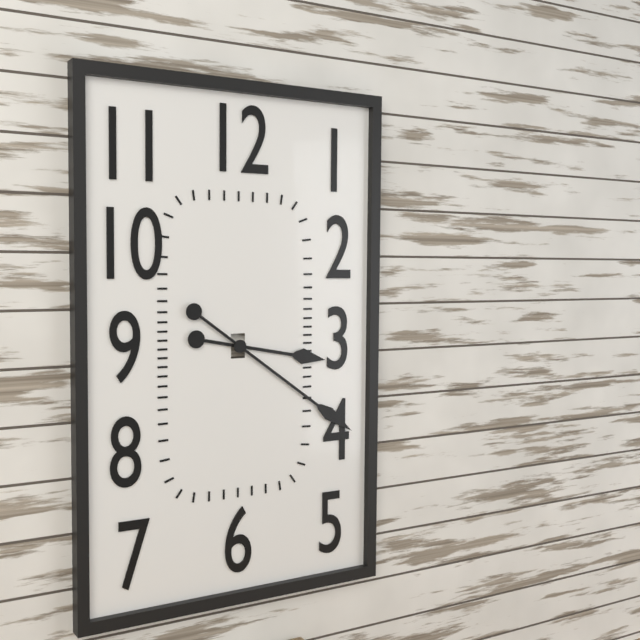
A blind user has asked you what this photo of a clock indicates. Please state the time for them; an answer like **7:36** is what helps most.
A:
**3:21**
